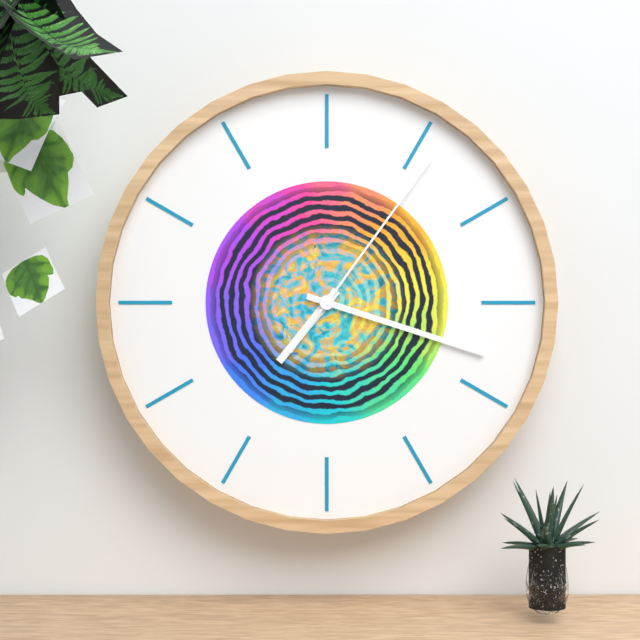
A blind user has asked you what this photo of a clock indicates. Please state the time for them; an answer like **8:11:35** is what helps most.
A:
**7:18:06**
